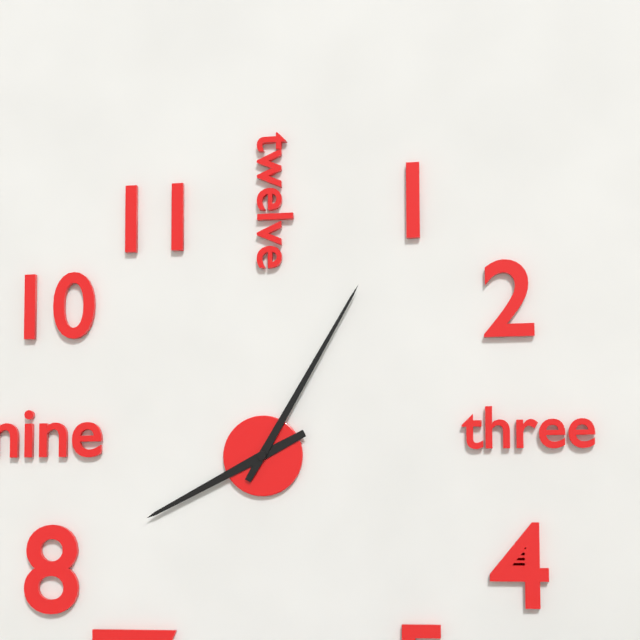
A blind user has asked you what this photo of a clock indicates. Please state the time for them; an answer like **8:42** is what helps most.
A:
**8:05**
